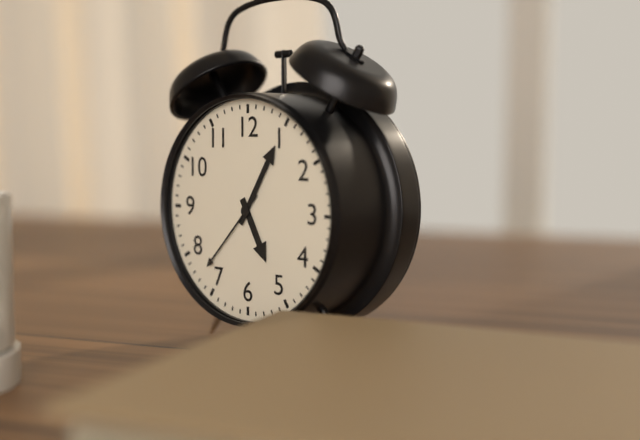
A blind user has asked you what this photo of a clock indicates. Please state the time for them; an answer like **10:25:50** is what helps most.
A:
**5:05:37**
